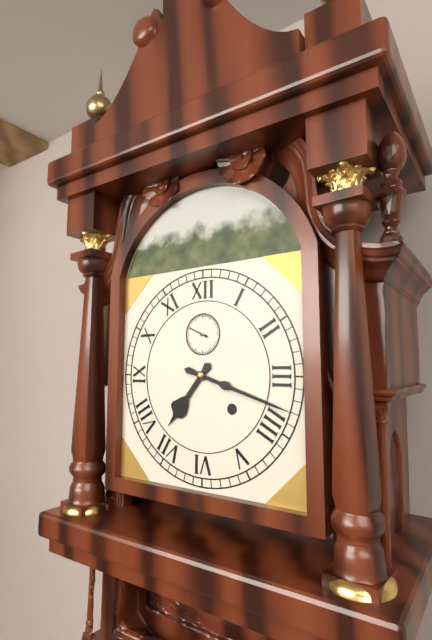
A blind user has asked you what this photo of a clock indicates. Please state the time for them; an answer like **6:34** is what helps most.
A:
**7:18**
